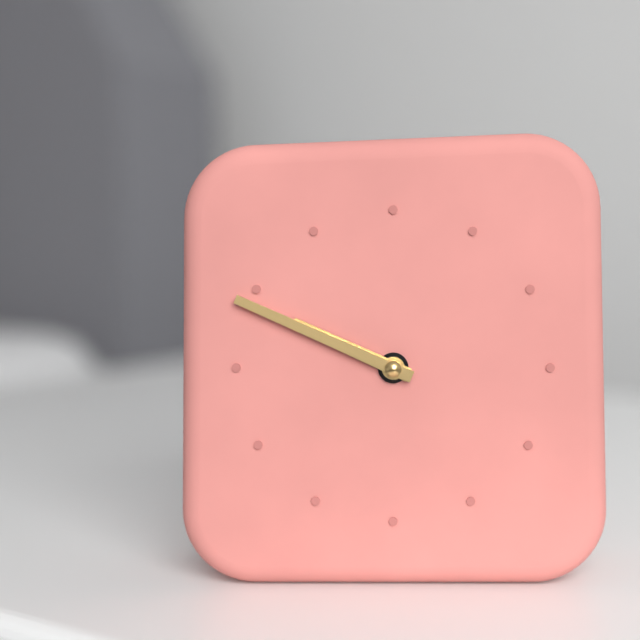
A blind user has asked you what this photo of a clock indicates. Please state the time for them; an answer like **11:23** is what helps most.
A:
**9:49**
